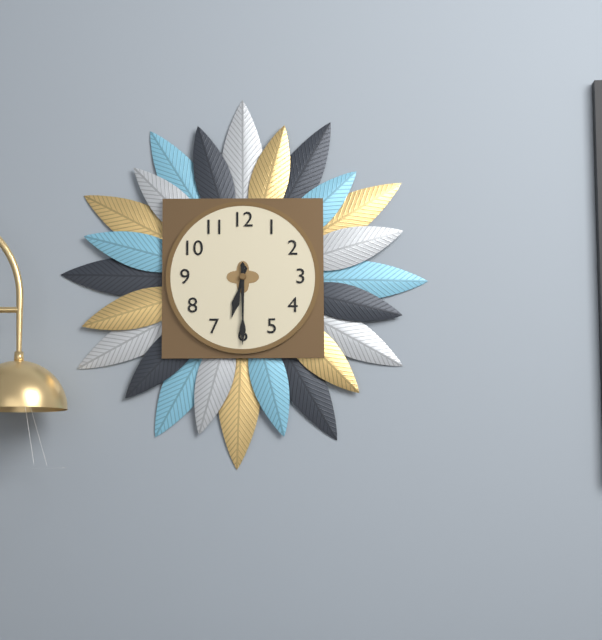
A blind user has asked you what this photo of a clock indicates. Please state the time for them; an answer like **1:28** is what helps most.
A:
**6:30**
